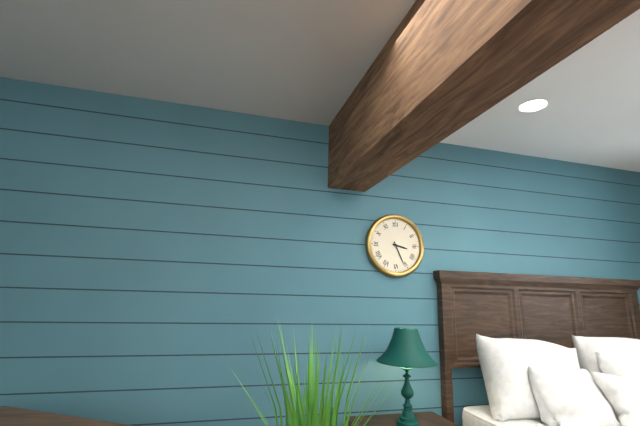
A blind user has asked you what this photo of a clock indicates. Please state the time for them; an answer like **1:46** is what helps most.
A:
**3:26**
